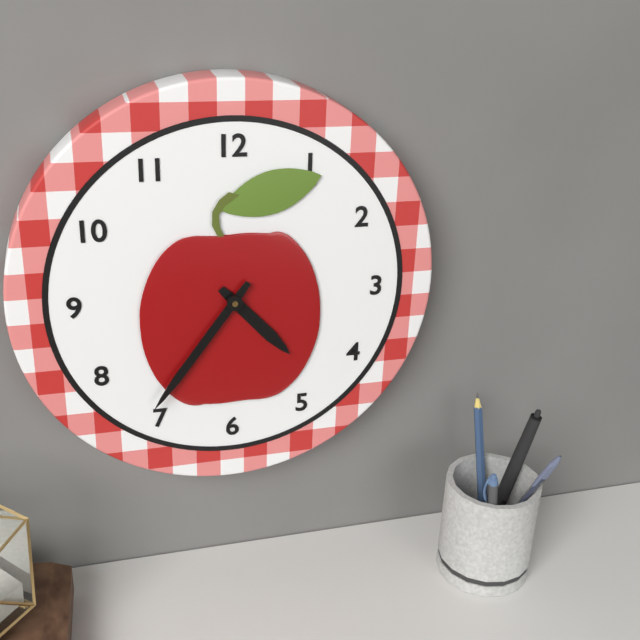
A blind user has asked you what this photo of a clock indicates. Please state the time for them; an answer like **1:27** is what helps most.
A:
**4:36**
